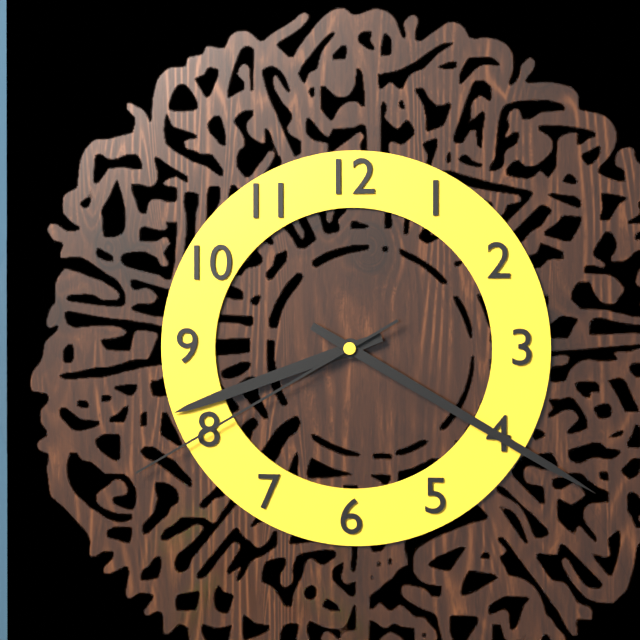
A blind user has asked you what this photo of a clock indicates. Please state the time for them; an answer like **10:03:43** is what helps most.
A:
**8:20:40**
